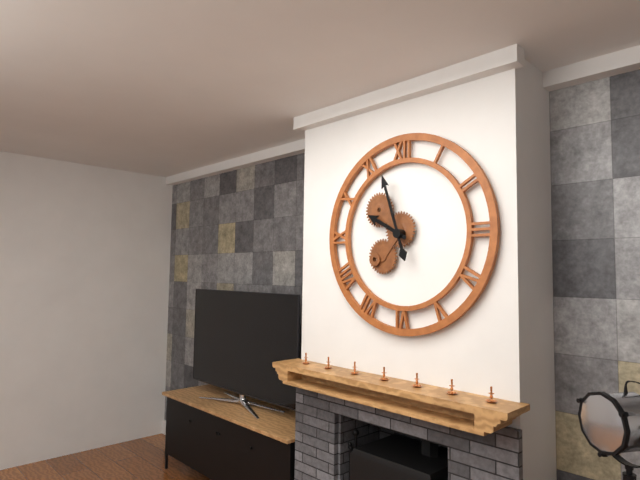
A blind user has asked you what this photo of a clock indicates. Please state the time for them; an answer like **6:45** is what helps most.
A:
**9:57**
